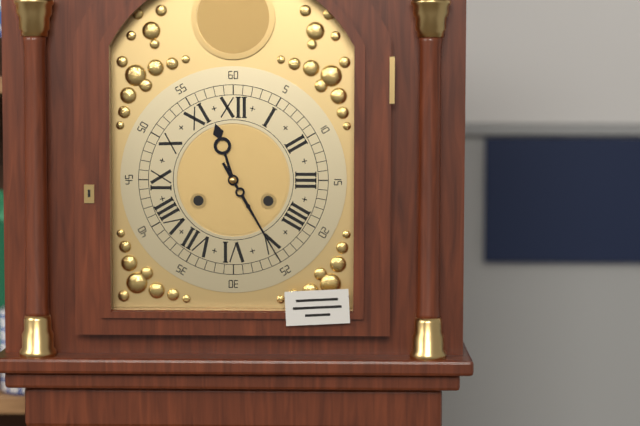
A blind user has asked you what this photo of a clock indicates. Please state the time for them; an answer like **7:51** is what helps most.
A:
**11:25**
